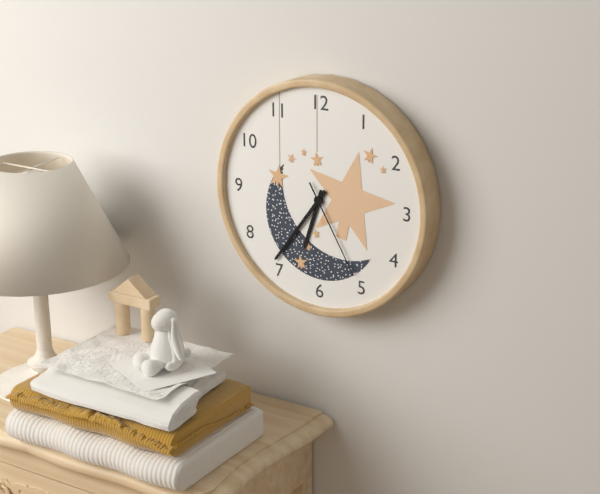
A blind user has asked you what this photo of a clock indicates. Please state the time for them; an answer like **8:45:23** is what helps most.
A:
**6:36:25**
